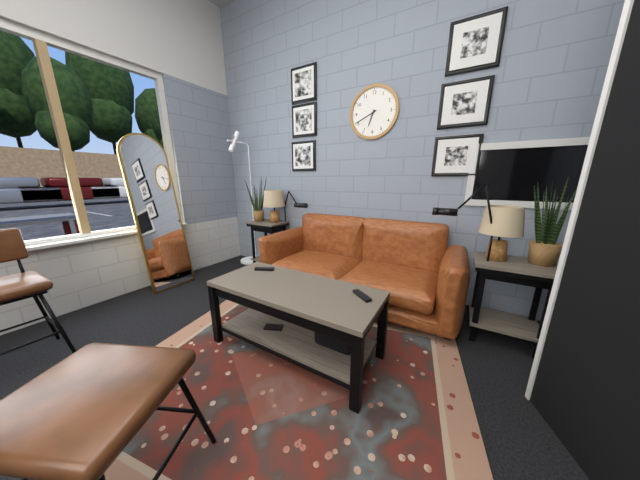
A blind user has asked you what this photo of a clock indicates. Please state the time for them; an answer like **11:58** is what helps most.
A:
**6:41**
